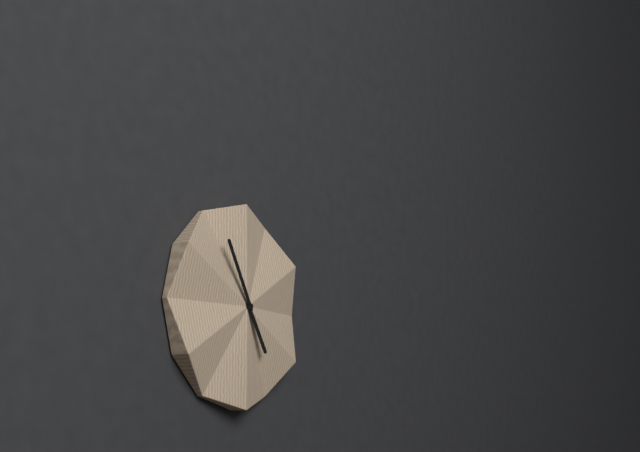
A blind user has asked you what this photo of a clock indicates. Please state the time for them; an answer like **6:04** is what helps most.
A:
**4:55**
